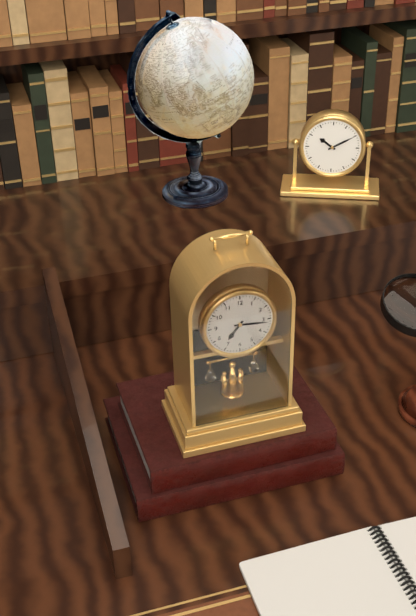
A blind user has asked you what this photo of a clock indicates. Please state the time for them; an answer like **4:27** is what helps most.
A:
**7:16**
